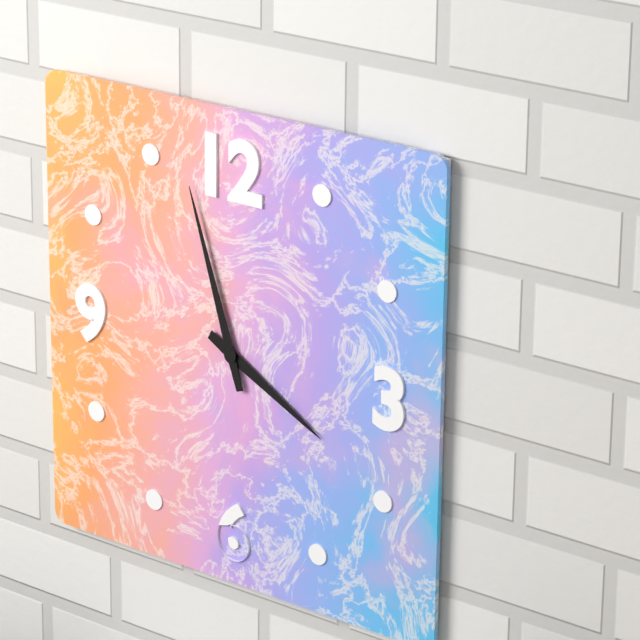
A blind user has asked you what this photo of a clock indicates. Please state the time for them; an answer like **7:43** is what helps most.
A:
**3:57**
